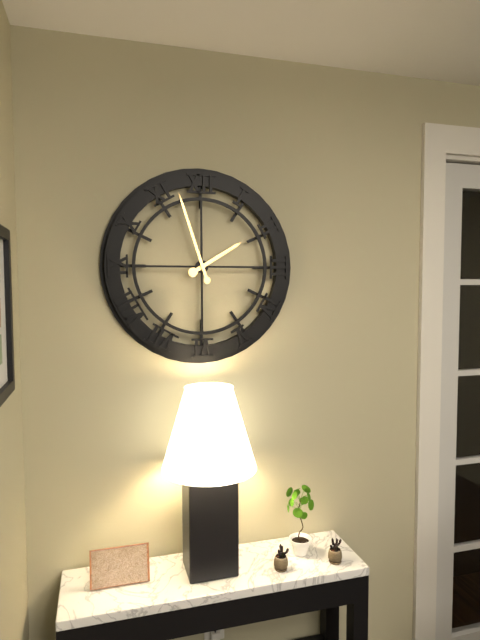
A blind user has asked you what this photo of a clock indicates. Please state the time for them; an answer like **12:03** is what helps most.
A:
**1:57**
